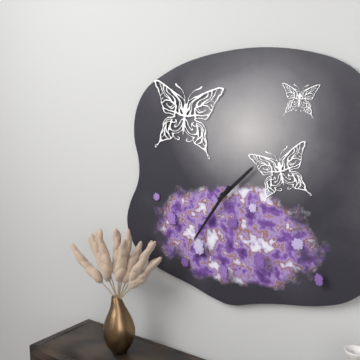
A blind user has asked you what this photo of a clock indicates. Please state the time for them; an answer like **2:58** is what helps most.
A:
**1:36**
